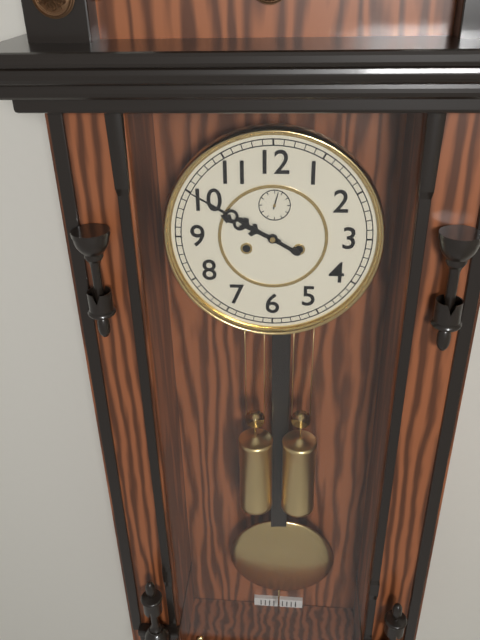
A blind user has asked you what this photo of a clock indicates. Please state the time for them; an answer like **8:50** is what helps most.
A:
**9:50**
